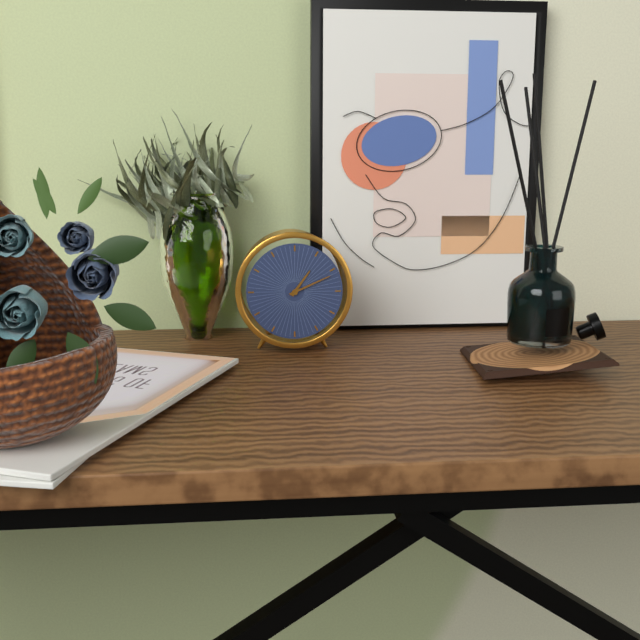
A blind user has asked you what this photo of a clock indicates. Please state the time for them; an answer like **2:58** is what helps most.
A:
**1:11**
